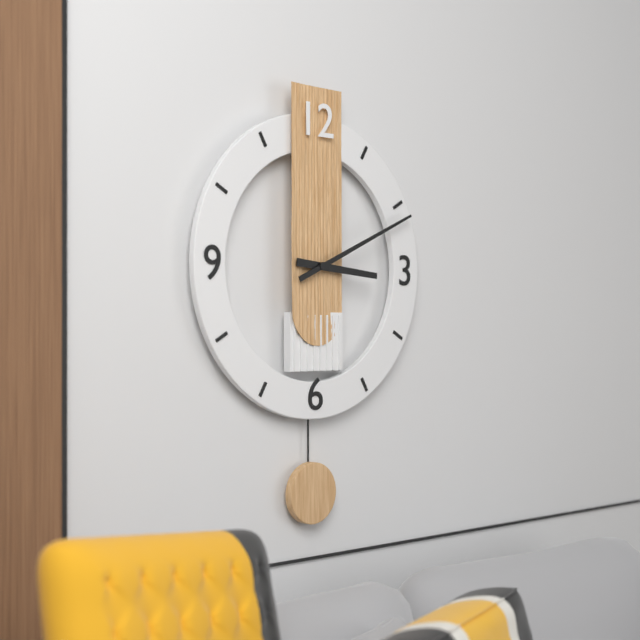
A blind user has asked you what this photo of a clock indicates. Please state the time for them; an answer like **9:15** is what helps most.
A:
**3:11**
